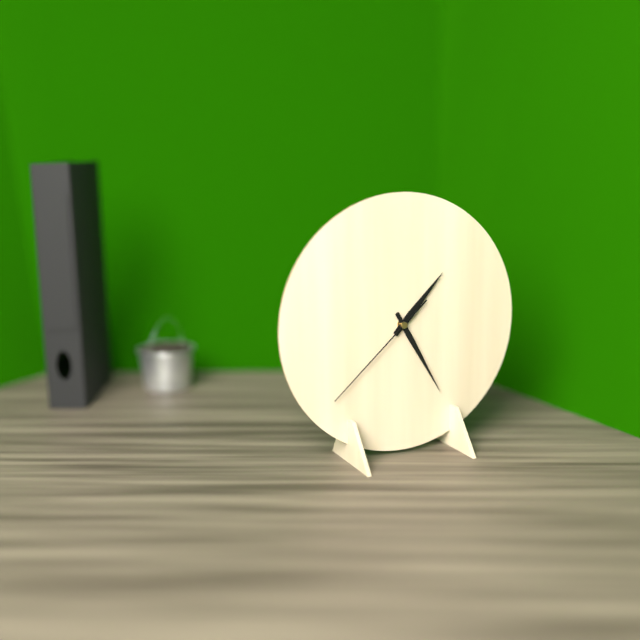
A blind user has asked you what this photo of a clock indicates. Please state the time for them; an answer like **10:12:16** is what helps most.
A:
**1:25:38**
